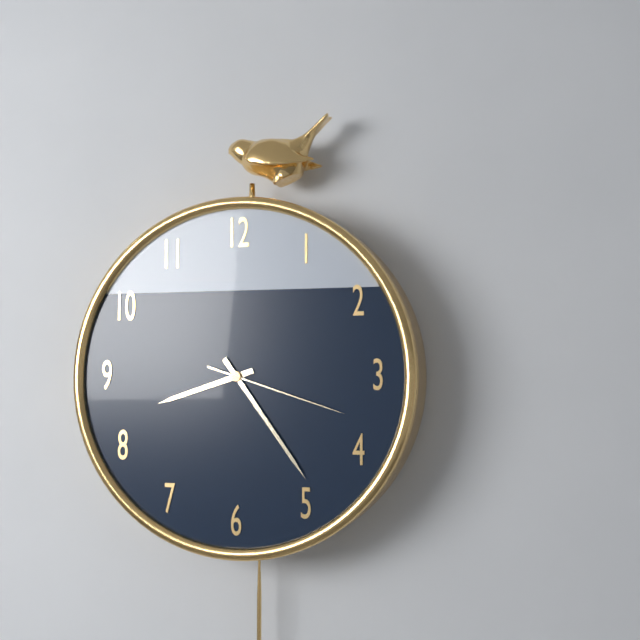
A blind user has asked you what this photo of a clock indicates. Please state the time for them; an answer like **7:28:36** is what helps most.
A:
**8:24:18**
